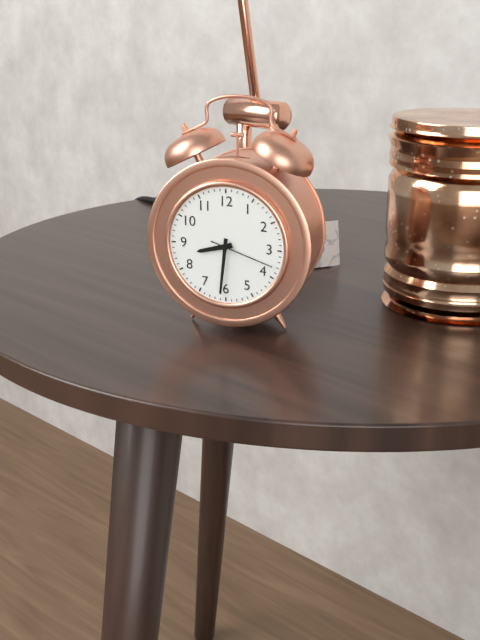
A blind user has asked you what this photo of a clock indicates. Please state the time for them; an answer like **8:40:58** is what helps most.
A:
**8:31:18**
